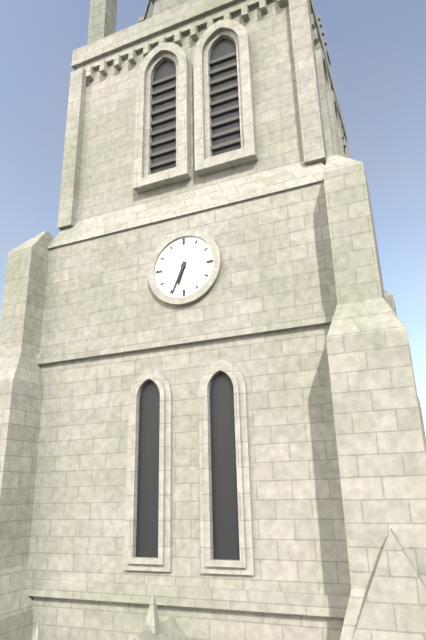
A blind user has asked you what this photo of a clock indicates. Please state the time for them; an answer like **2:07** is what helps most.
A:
**6:34**
